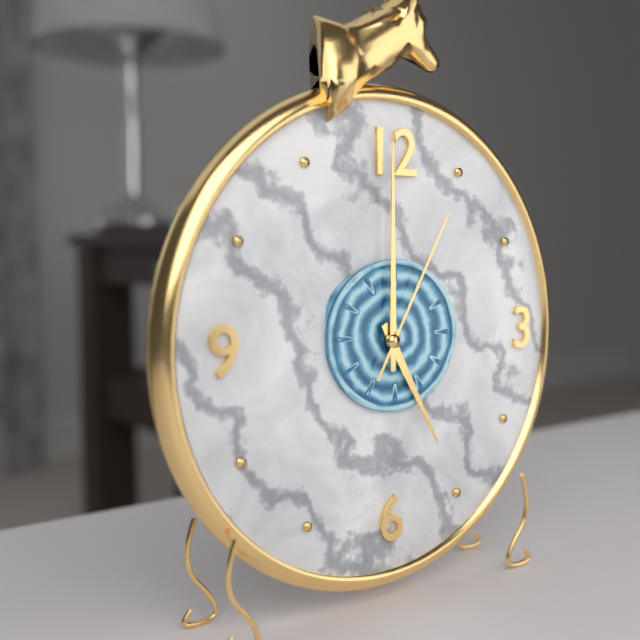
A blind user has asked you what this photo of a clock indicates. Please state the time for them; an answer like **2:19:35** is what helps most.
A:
**5:00:05**
